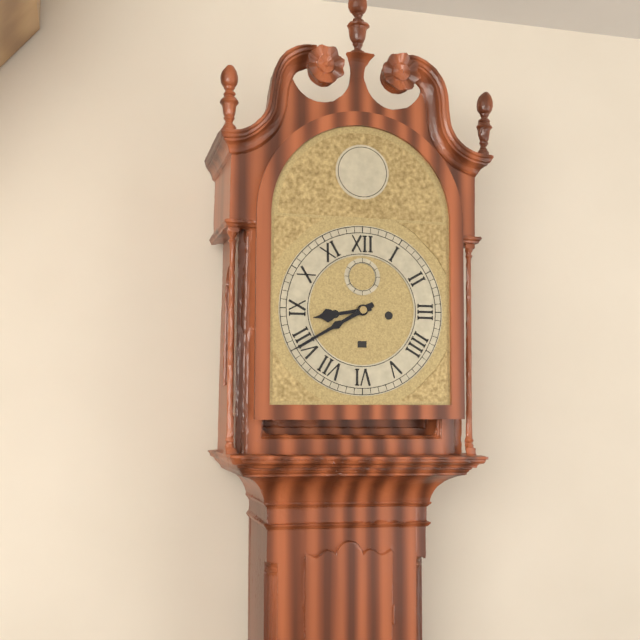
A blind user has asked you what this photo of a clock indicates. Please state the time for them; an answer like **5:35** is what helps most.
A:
**8:40**
